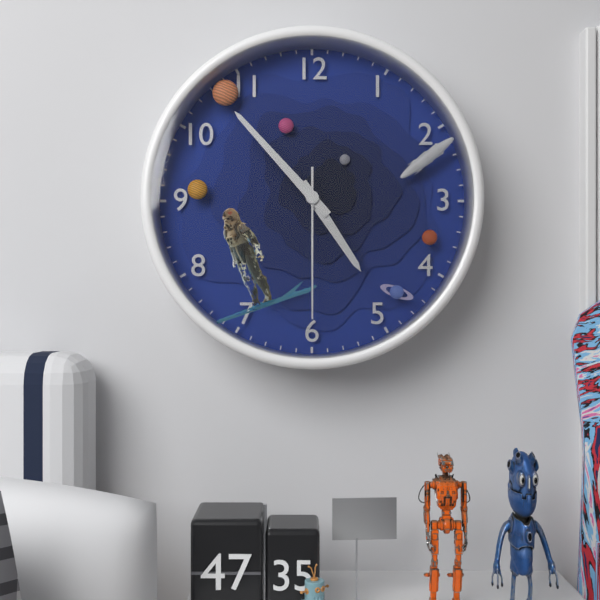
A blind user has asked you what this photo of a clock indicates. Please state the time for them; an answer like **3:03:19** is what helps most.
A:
**4:53:30**
